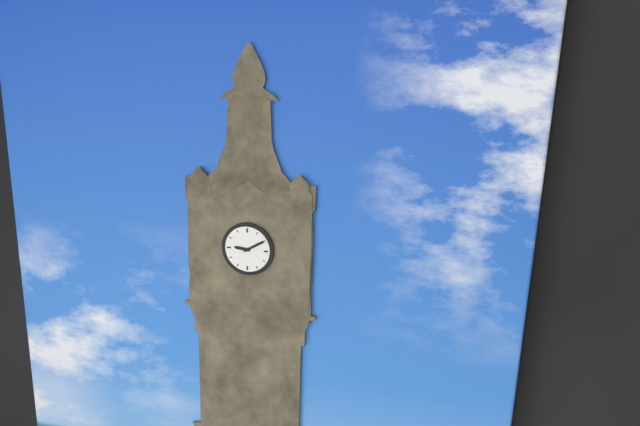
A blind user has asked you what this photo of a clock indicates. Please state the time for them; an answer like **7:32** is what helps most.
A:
**9:10**
